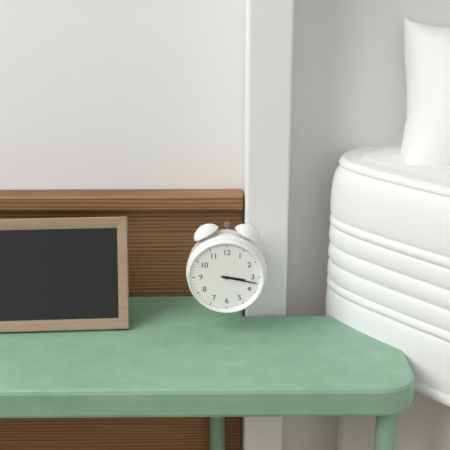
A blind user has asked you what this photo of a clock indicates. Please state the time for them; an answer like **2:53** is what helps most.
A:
**3:17**
